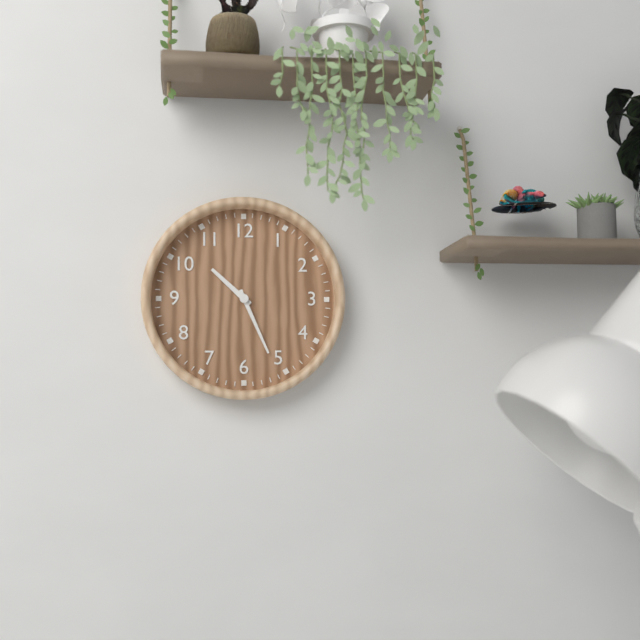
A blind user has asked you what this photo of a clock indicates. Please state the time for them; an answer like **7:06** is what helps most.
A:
**10:26**
